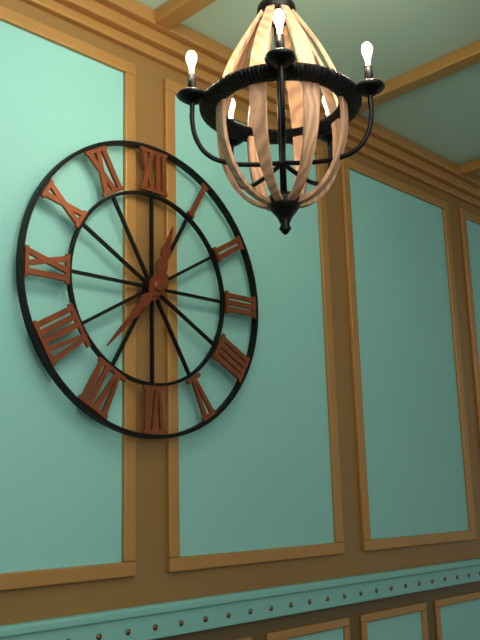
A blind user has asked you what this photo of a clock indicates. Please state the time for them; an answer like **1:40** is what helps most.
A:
**12:37**
